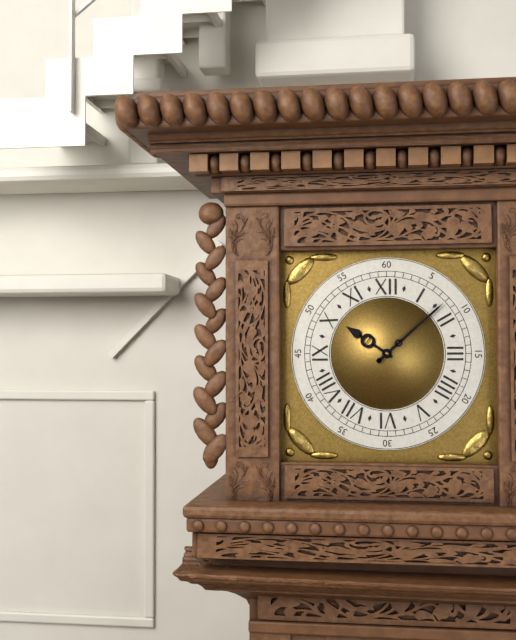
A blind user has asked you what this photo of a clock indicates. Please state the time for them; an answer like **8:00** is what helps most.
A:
**10:08**
